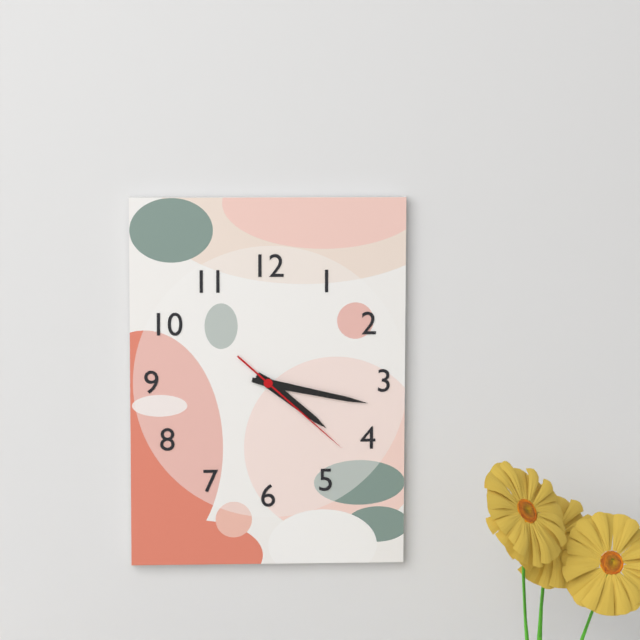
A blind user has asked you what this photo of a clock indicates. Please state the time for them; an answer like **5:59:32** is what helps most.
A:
**4:17:22**
